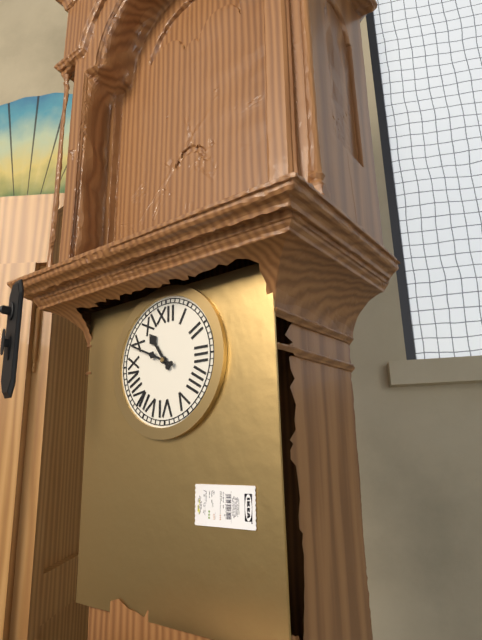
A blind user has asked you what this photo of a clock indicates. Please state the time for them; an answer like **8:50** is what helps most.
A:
**10:49**
